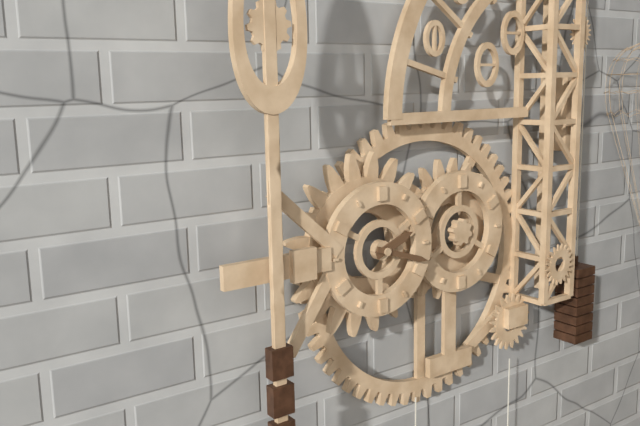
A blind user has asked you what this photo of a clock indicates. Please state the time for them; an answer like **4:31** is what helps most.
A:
**2:18**
